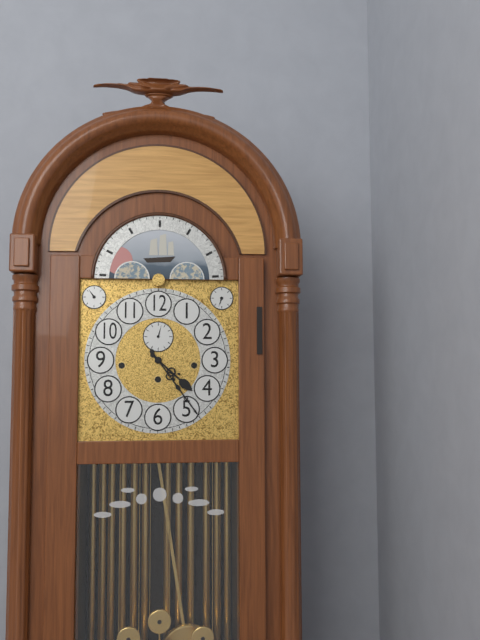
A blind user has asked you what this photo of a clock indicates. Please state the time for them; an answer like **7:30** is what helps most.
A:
**4:24**
